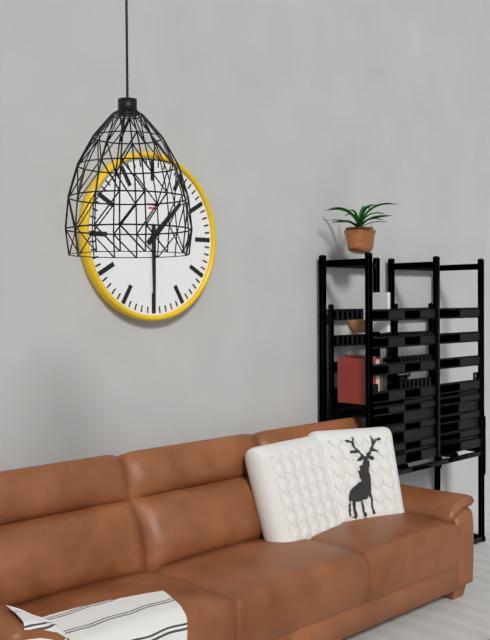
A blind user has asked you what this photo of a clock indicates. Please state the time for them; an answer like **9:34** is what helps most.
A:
**1:30**
